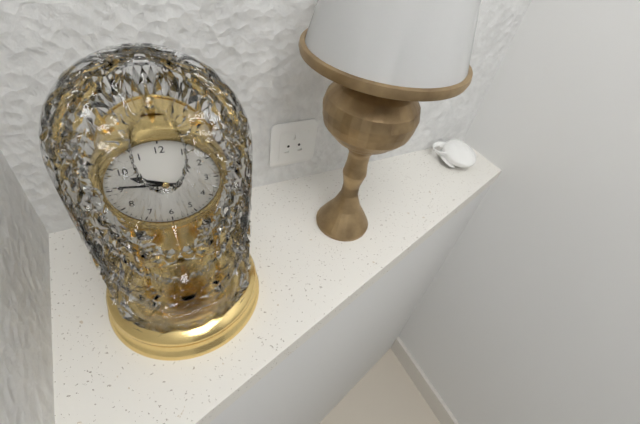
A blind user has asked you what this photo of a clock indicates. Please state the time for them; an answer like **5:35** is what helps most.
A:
**9:46**
